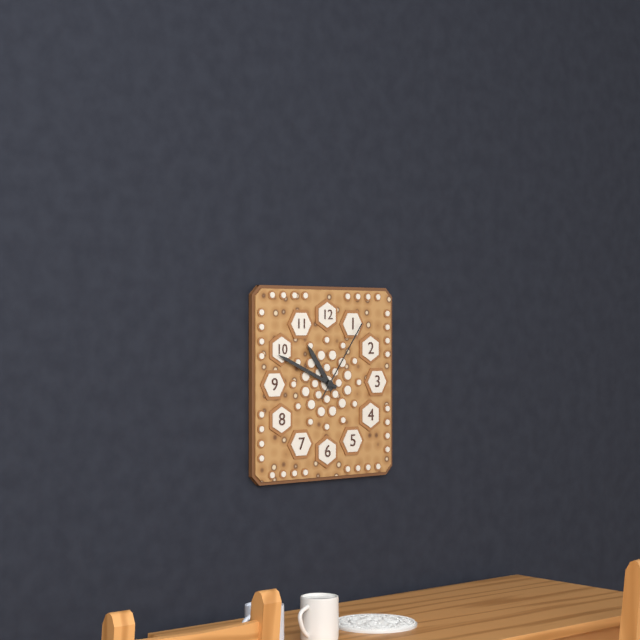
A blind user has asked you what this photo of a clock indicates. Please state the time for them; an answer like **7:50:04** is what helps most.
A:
**10:49:06**
